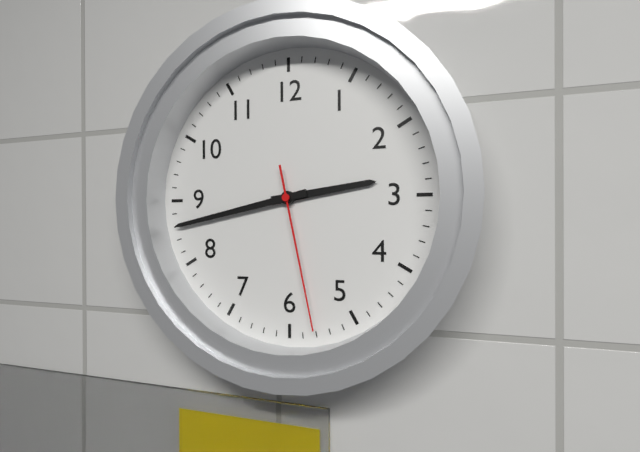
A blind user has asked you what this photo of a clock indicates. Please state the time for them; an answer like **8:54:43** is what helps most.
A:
**2:43:28**
